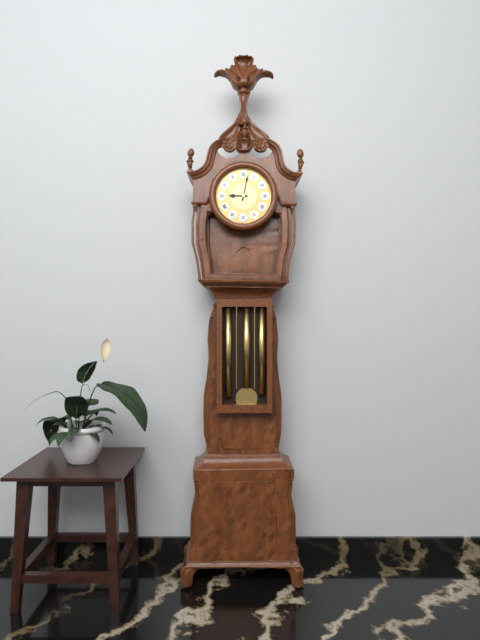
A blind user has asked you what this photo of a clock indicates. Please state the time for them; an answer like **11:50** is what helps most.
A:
**9:02**
